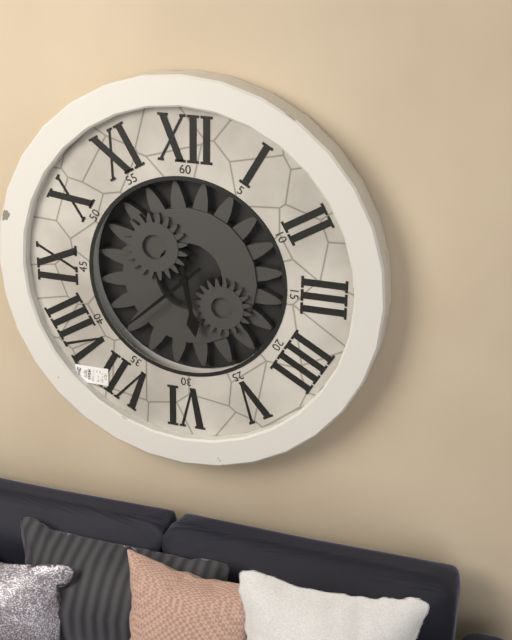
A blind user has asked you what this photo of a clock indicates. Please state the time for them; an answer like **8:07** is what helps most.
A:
**5:38**
